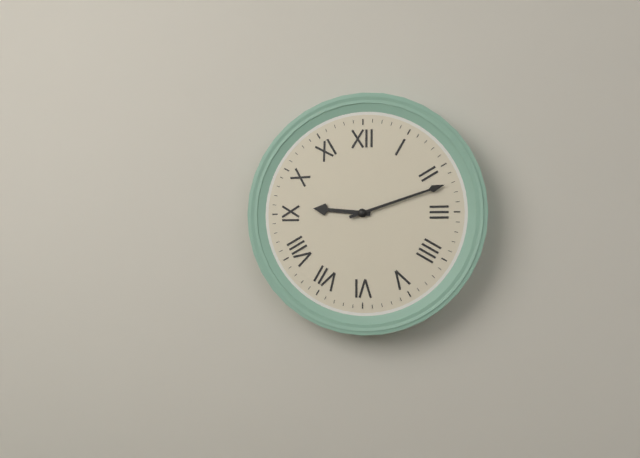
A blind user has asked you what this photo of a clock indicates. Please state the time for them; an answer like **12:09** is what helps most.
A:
**9:12**
